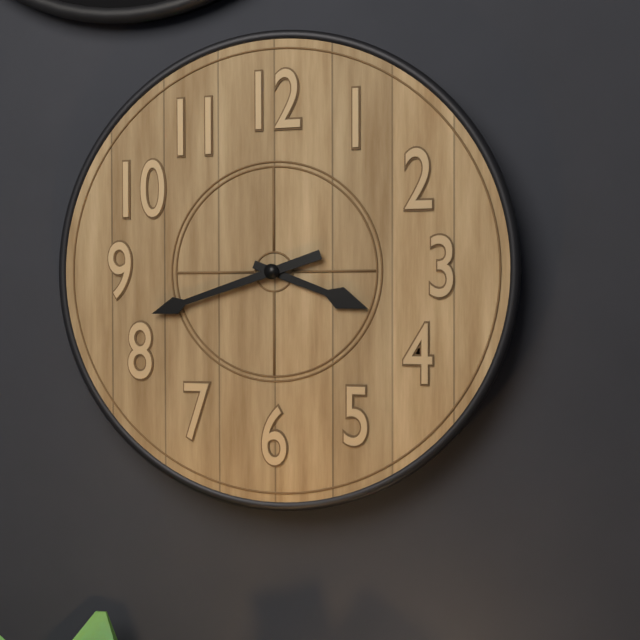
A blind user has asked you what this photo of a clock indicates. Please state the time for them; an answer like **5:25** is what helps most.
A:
**3:42**
